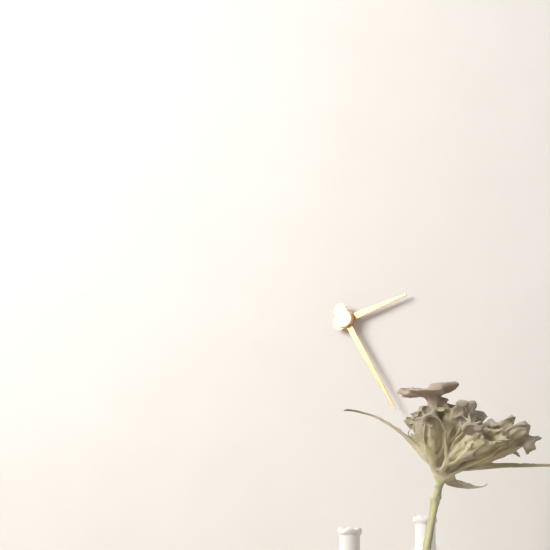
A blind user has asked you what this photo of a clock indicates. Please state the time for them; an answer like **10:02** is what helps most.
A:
**2:25**
